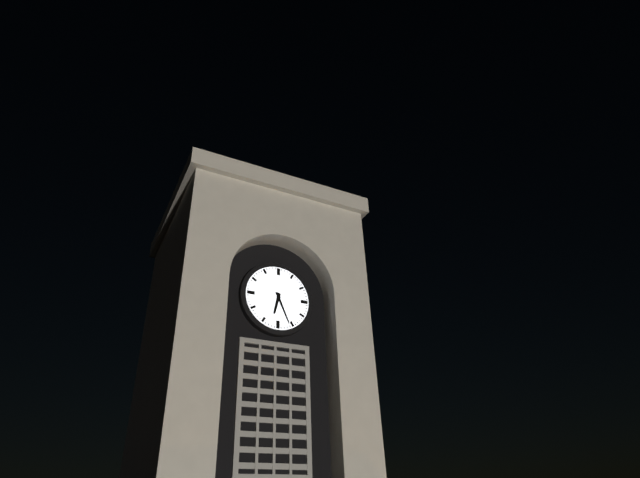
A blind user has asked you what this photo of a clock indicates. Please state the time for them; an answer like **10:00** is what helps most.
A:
**6:26**
